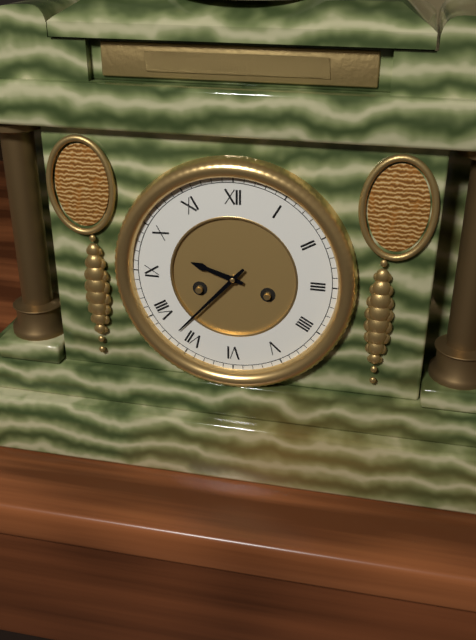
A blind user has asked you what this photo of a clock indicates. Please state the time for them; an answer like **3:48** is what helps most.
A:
**9:37**
